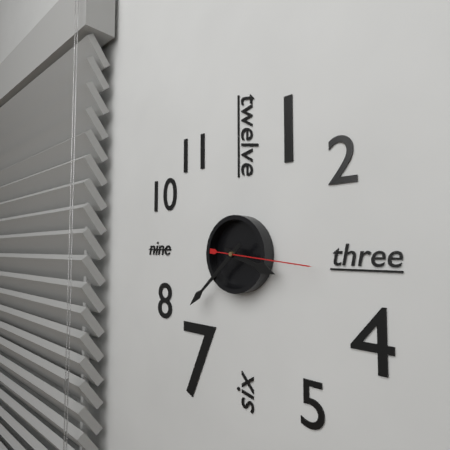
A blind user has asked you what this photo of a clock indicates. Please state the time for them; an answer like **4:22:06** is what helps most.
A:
**3:38:16**
